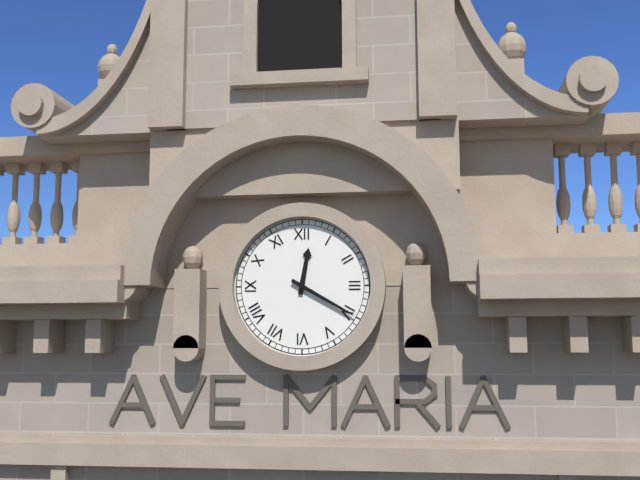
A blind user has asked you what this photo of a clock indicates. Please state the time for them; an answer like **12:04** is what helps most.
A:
**12:20**
